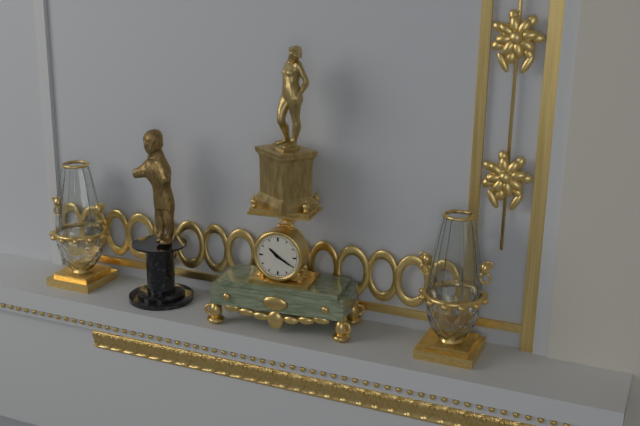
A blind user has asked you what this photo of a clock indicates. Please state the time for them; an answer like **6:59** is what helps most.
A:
**10:20**
